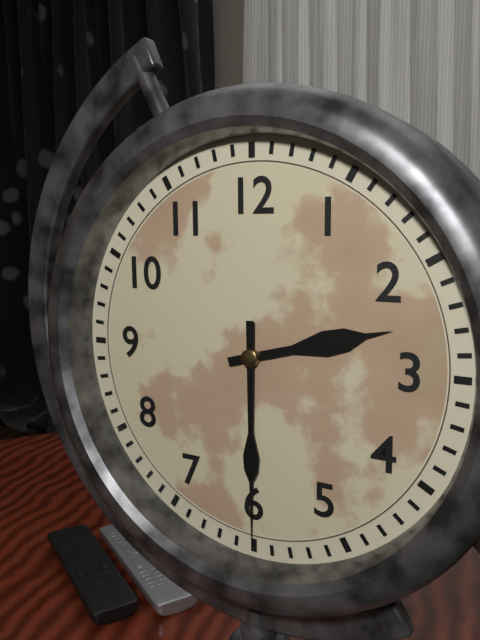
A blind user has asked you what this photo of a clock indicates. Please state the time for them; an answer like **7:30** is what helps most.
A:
**2:30**
